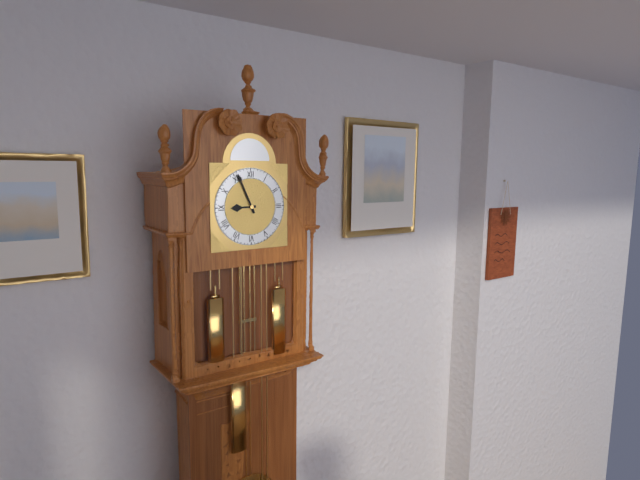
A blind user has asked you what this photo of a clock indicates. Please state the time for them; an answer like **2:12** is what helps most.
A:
**8:56**
